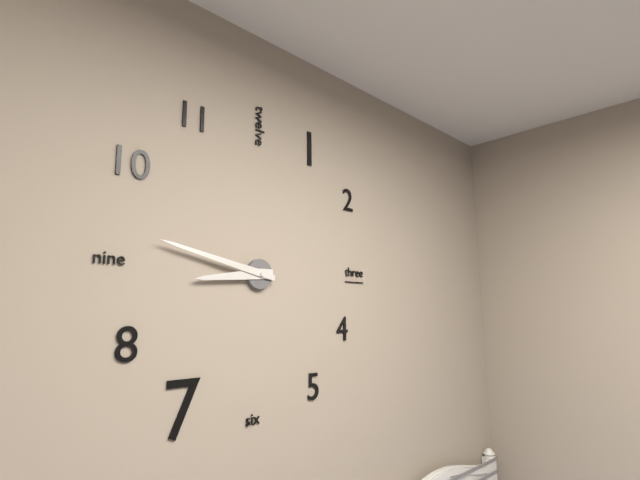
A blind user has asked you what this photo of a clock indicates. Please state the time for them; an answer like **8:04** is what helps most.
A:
**8:47**
